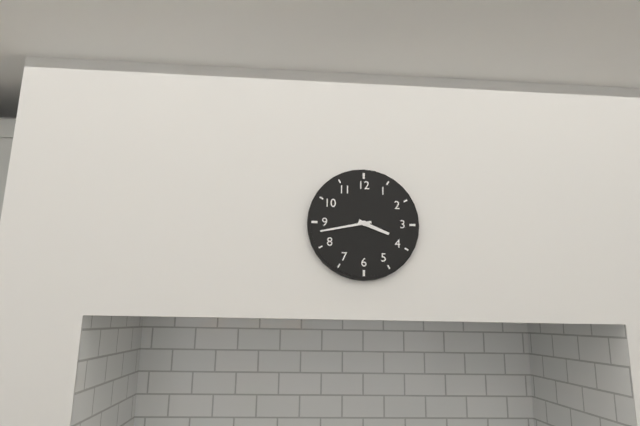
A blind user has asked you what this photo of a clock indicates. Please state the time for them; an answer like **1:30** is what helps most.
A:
**3:43**
